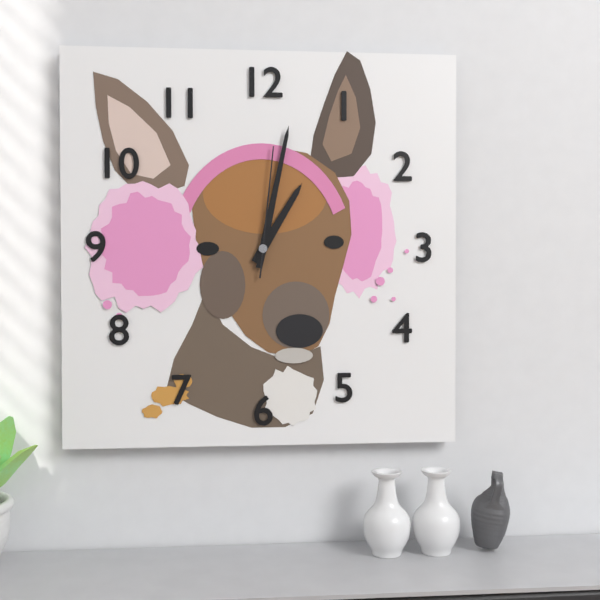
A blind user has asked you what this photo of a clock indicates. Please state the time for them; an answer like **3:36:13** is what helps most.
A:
**1:02:01**
